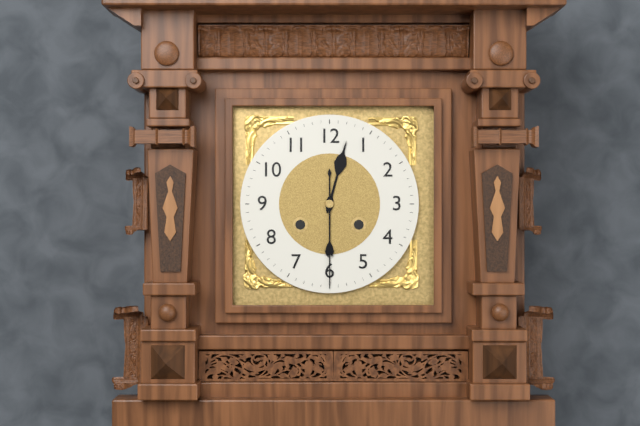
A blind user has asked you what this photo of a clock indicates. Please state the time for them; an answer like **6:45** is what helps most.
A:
**12:30**
